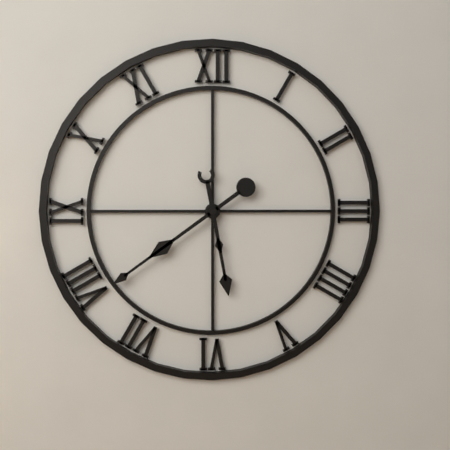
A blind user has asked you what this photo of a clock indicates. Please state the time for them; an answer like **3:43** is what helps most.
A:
**5:39**
